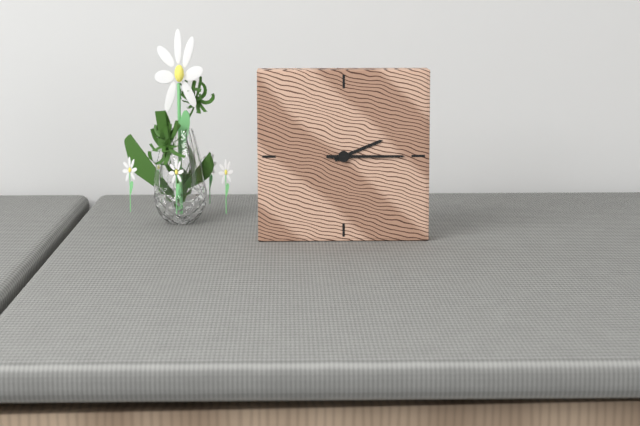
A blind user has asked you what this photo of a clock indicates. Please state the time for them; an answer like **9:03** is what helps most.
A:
**2:15**
